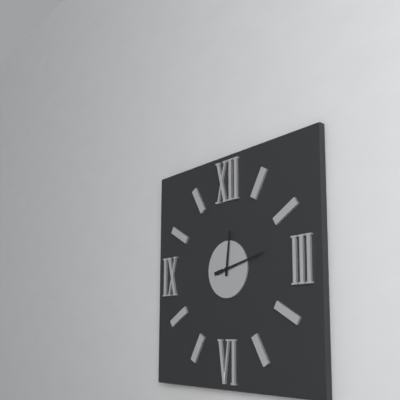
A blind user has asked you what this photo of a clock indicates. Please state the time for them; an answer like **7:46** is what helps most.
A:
**12:13**
